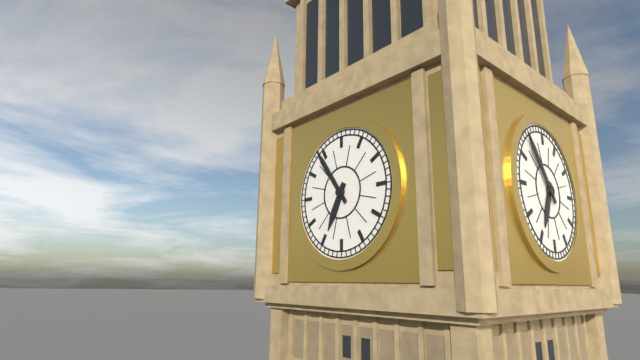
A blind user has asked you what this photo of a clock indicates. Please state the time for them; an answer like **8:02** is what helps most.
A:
**6:54**
